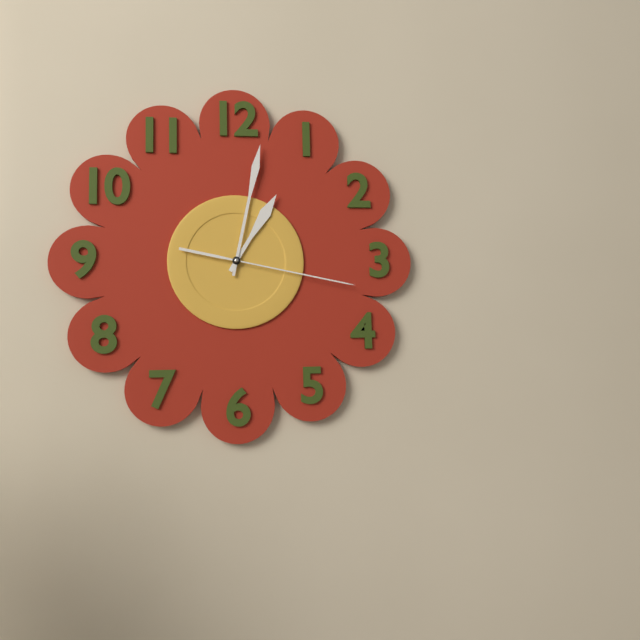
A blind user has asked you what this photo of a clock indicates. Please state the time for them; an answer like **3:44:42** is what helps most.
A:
**1:02:17**
